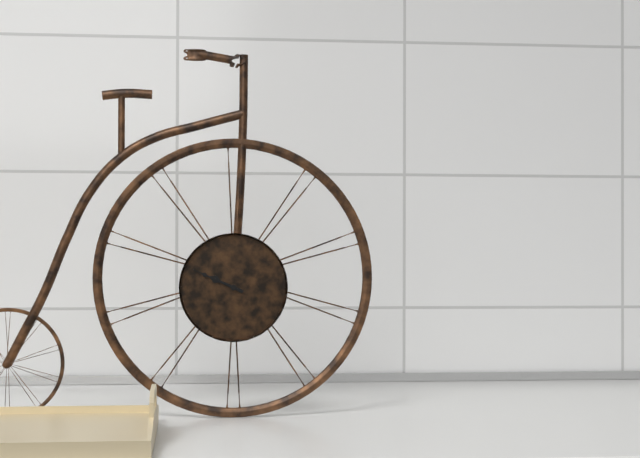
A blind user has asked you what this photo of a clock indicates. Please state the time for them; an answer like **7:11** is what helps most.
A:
**9:49**
